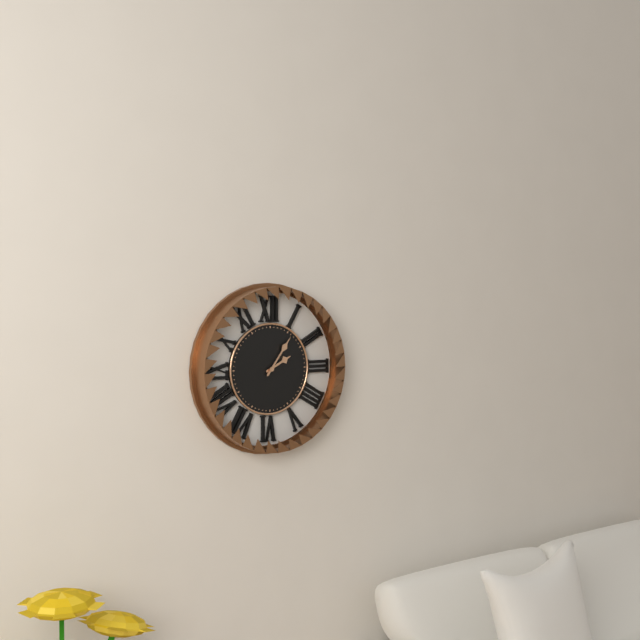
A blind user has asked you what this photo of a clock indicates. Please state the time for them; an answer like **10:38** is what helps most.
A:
**2:06**
